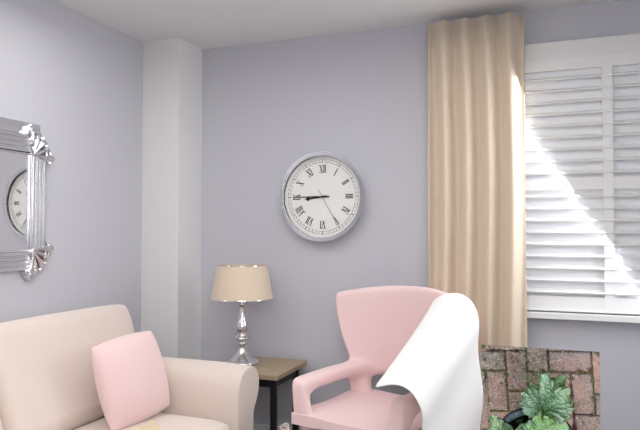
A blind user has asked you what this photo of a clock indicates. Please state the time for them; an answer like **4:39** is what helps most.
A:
**8:45**
